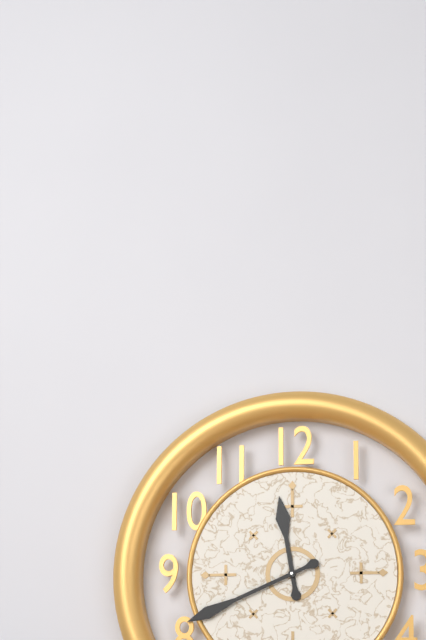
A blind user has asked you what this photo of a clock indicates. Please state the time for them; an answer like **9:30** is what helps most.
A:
**11:41**
